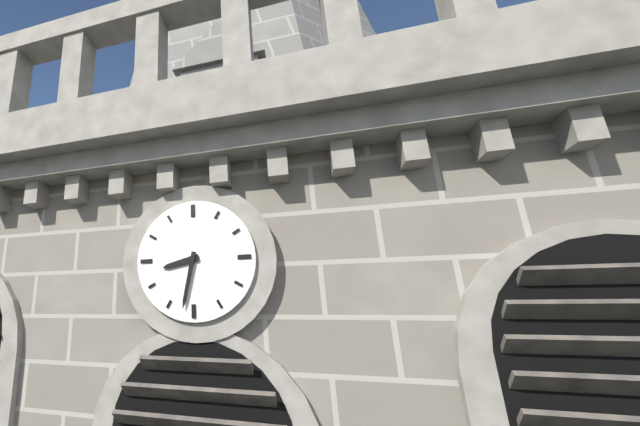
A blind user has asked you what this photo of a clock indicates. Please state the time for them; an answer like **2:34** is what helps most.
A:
**8:32**
